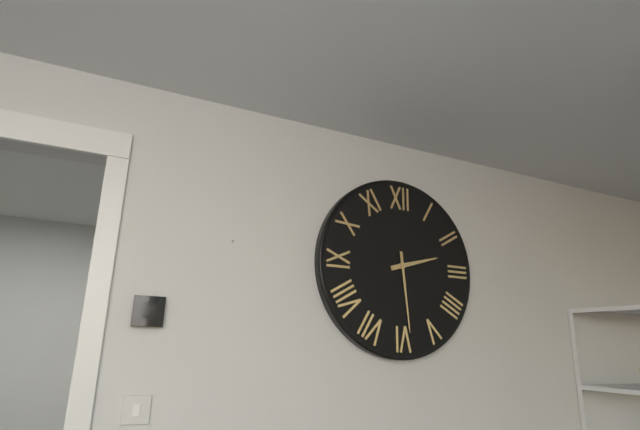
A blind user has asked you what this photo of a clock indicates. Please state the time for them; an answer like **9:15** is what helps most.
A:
**2:29**
